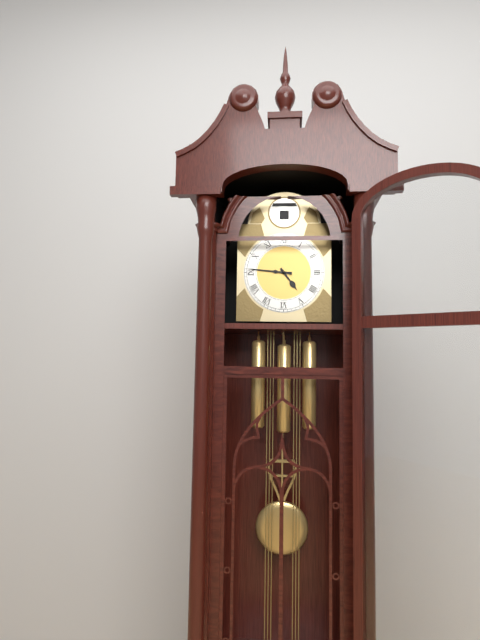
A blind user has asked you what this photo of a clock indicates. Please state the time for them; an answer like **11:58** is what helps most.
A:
**4:46**
